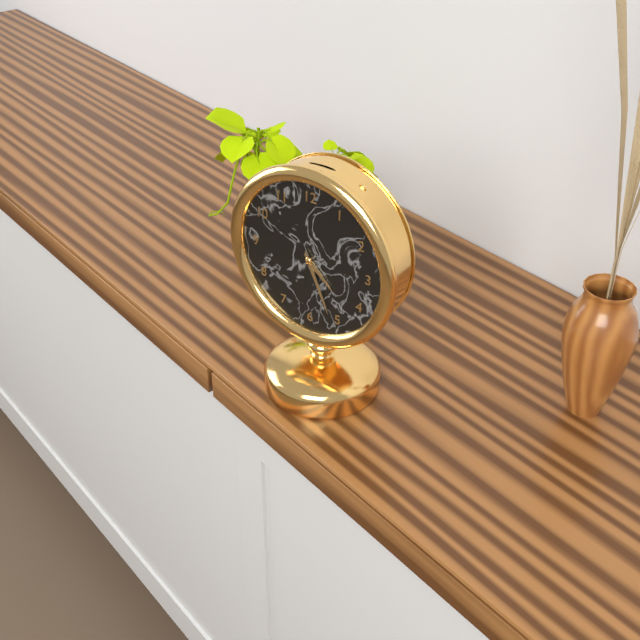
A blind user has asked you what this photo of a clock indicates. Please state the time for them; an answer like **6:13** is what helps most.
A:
**4:26**
